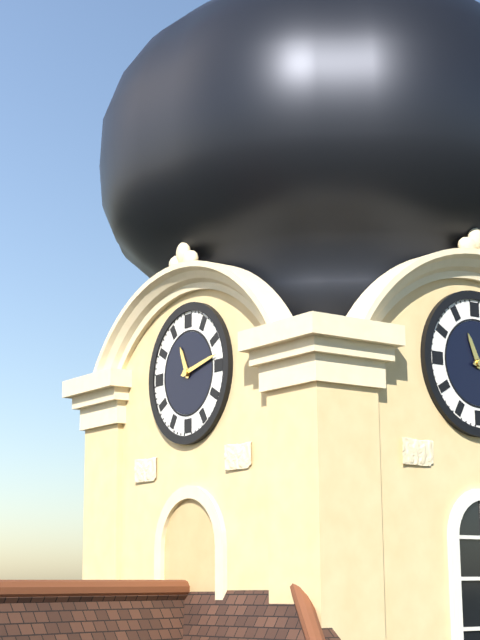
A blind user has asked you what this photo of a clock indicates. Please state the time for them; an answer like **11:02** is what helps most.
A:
**11:13**
